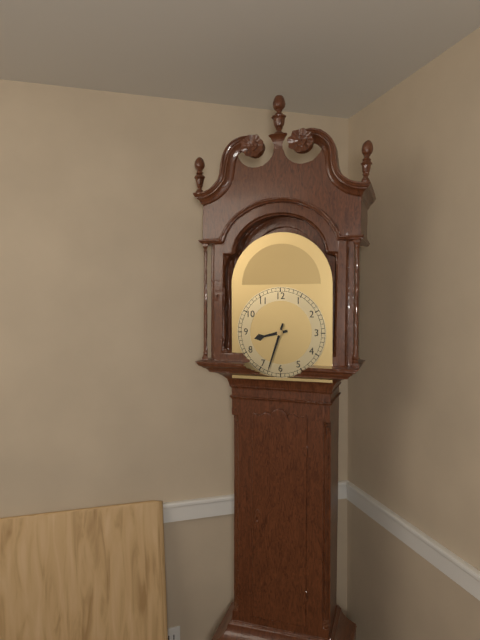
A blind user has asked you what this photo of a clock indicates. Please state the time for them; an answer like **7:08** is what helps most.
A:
**8:33**
